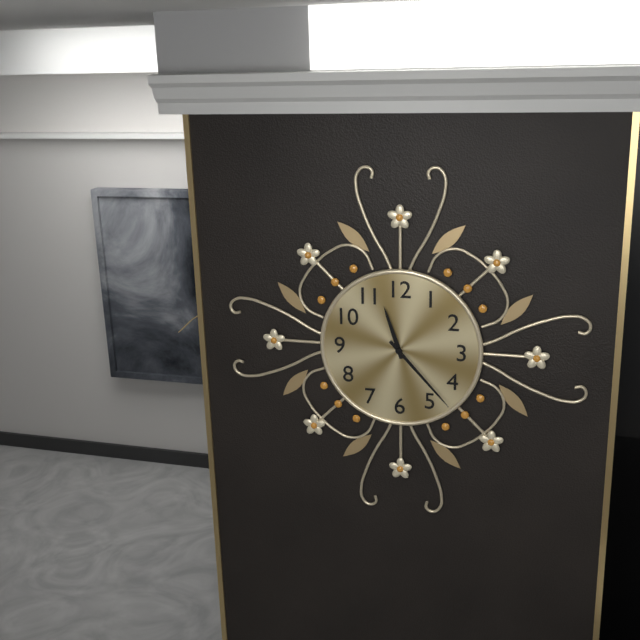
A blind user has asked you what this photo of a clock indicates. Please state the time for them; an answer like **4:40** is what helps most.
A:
**11:23**
